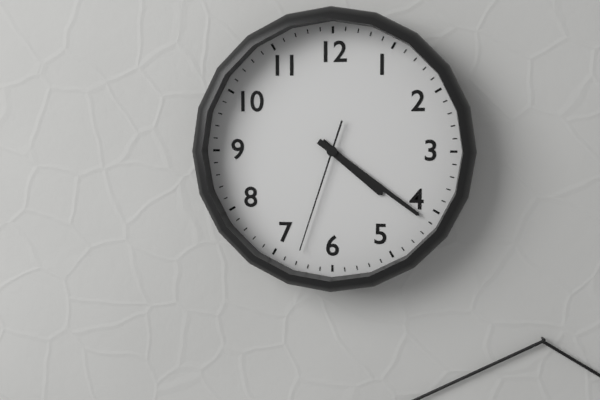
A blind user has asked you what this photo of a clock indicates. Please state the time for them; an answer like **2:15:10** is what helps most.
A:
**4:21:33**
